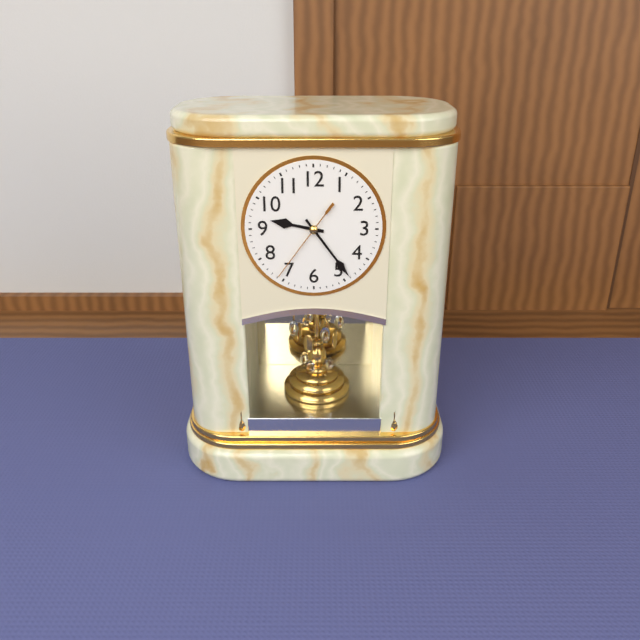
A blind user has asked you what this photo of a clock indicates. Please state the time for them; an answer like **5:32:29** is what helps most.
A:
**9:24:36**
